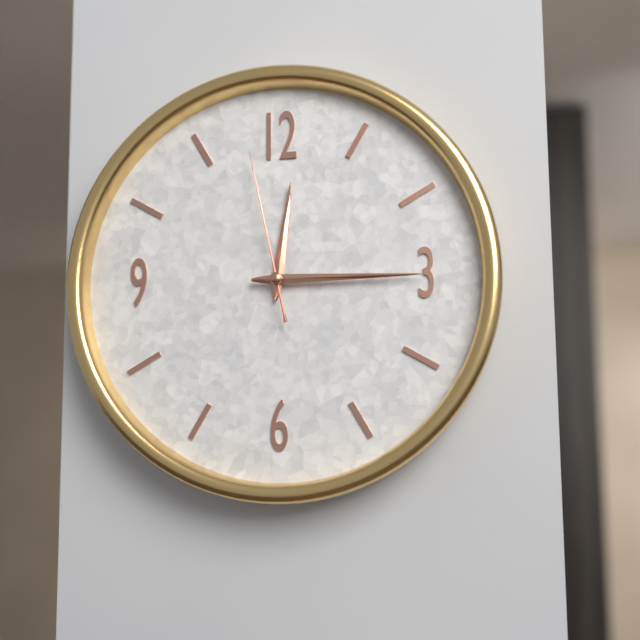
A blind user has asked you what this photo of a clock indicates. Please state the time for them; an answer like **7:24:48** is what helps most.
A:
**12:15:58**
